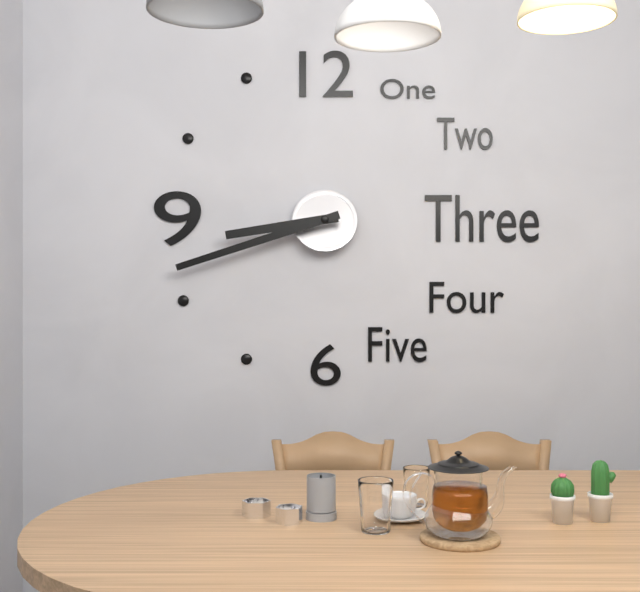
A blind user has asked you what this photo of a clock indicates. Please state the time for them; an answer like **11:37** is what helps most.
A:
**8:42**
